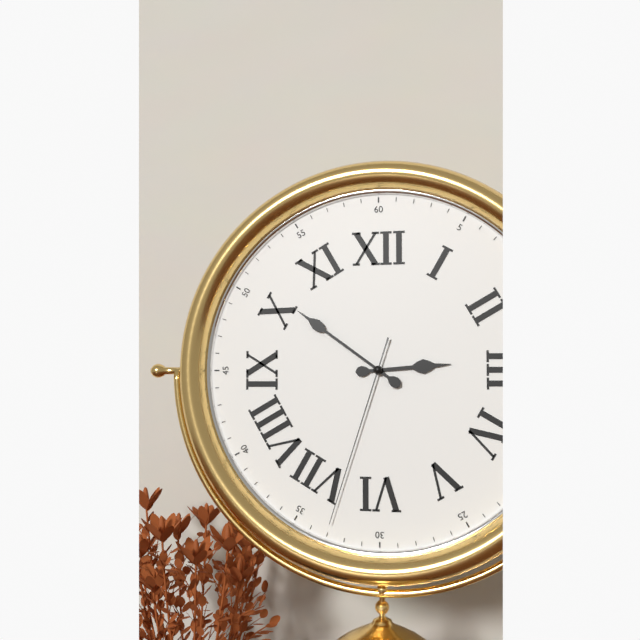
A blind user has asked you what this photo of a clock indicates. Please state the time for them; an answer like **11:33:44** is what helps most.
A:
**2:51:33**
